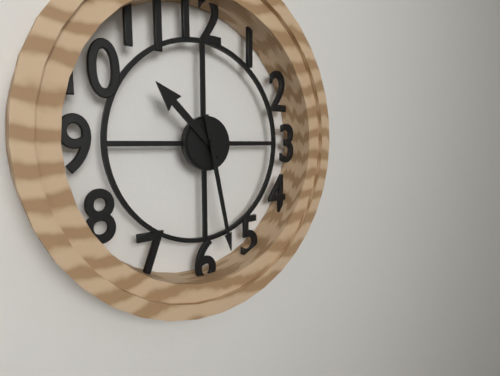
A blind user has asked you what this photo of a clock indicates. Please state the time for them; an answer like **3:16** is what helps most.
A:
**10:28**
